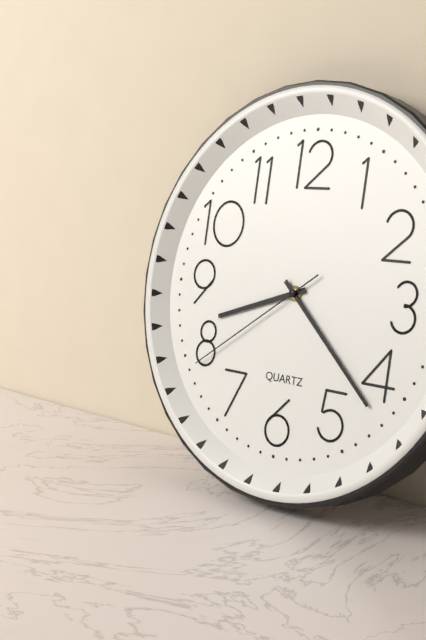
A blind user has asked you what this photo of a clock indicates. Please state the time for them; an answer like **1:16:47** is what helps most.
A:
**8:22:39**
